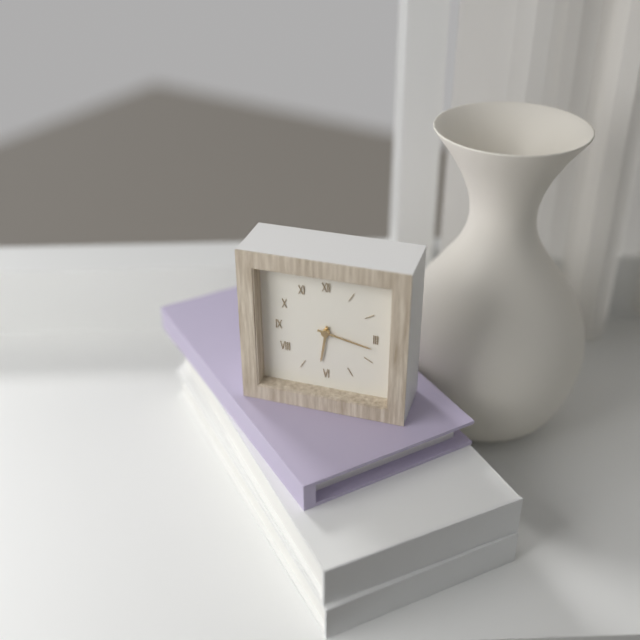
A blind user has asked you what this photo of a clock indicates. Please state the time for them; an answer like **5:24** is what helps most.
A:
**6:17**
